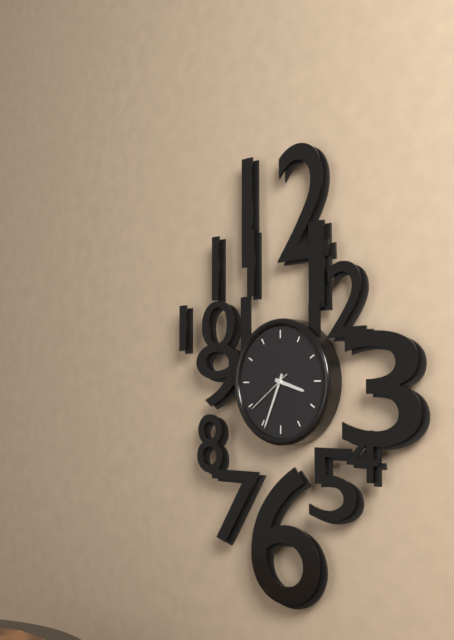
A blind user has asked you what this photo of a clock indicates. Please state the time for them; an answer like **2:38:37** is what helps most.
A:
**3:34:39**
